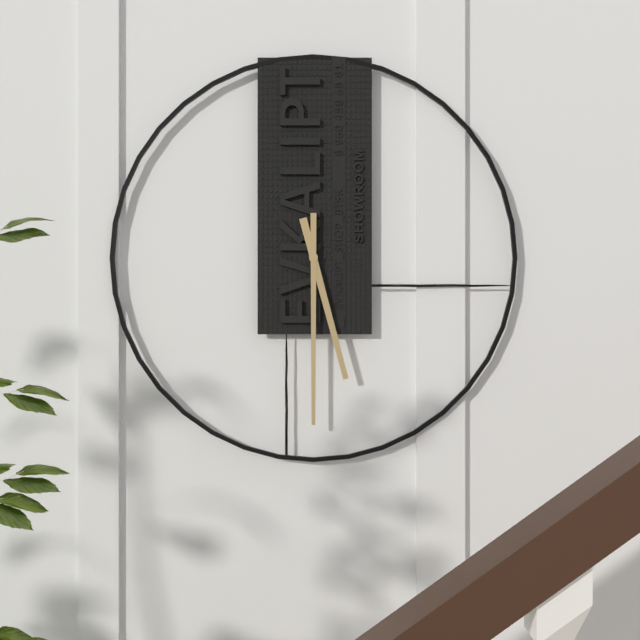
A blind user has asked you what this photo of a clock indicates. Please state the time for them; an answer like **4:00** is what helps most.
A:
**5:30**
